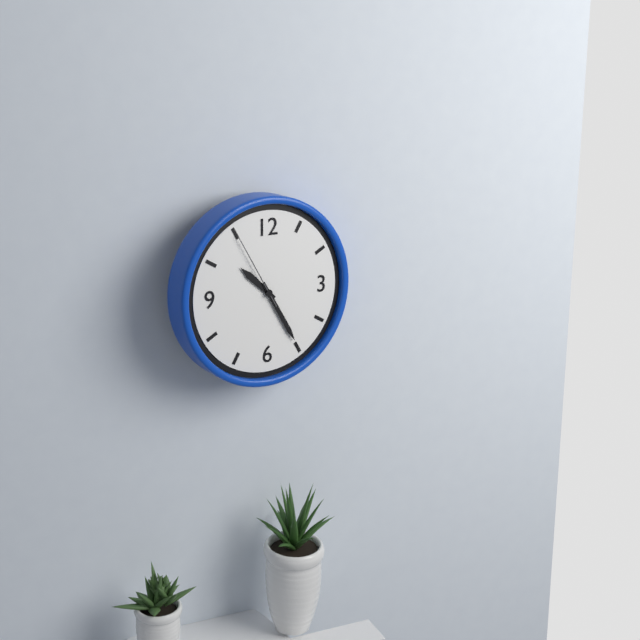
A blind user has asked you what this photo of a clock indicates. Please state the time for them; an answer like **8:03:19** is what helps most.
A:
**10:25:55**
